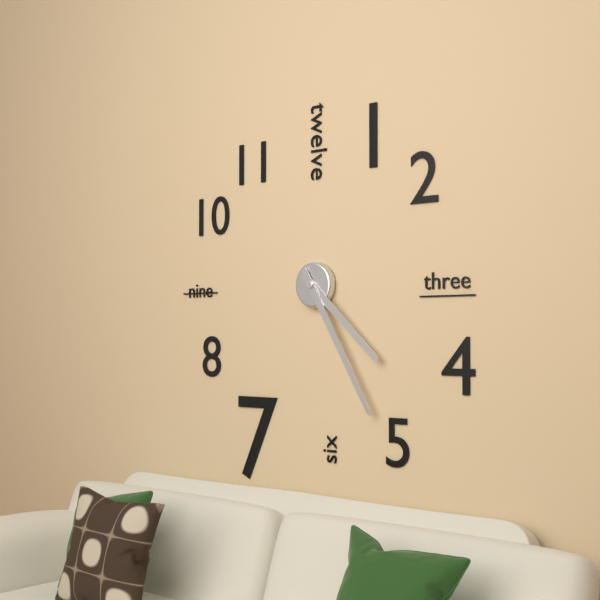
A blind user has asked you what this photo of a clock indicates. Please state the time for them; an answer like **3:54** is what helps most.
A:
**4:25**
